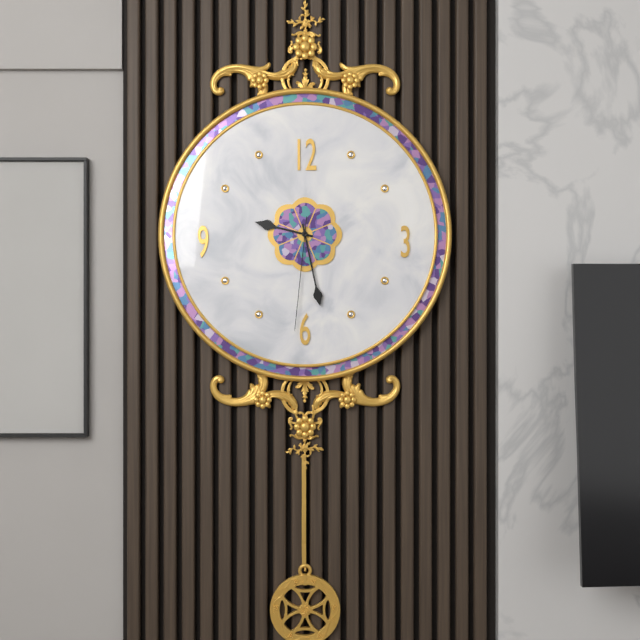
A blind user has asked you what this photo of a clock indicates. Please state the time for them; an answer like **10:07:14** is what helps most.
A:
**9:28:31**
